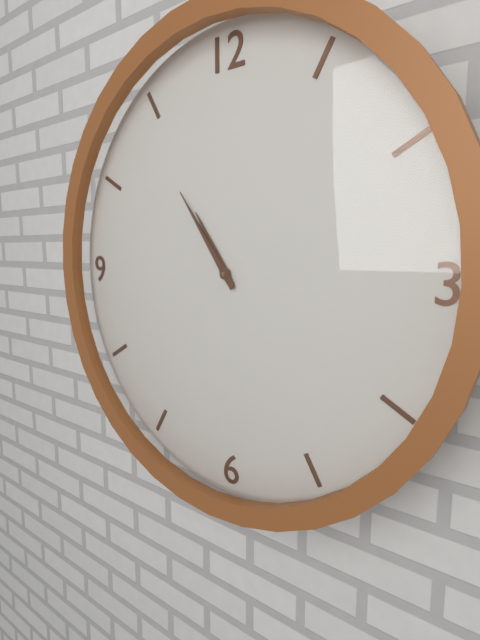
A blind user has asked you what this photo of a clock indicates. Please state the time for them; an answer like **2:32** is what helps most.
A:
**10:54**
